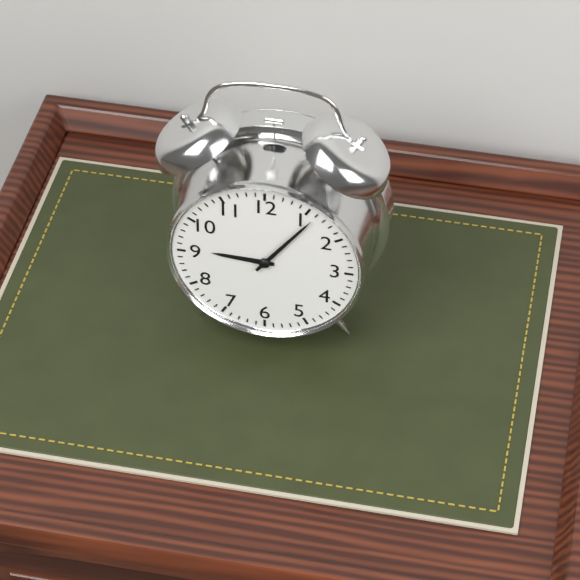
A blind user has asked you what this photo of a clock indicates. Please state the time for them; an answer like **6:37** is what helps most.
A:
**9:06**
